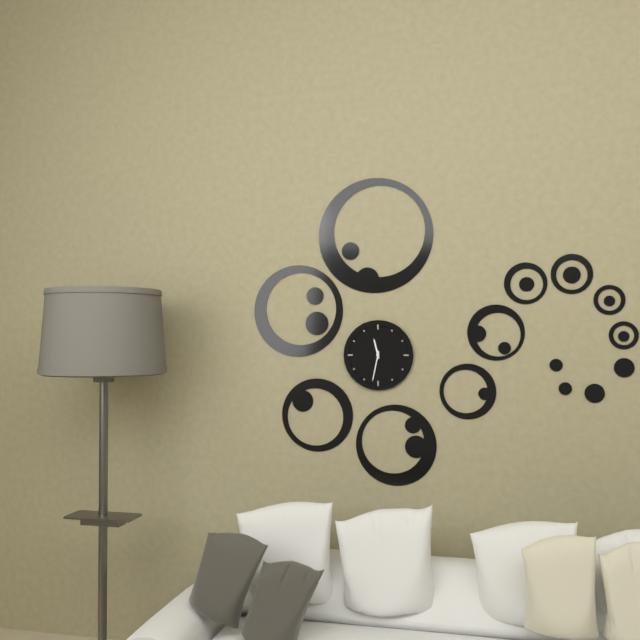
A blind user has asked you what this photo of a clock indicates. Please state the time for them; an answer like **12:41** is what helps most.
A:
**11:32**
